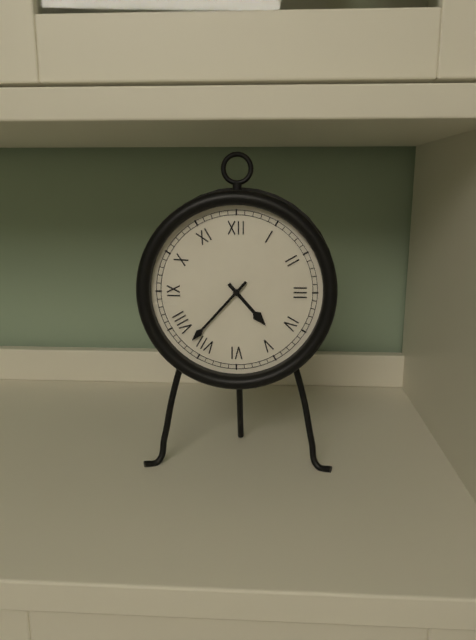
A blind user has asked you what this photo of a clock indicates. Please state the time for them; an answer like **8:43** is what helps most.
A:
**4:37**
